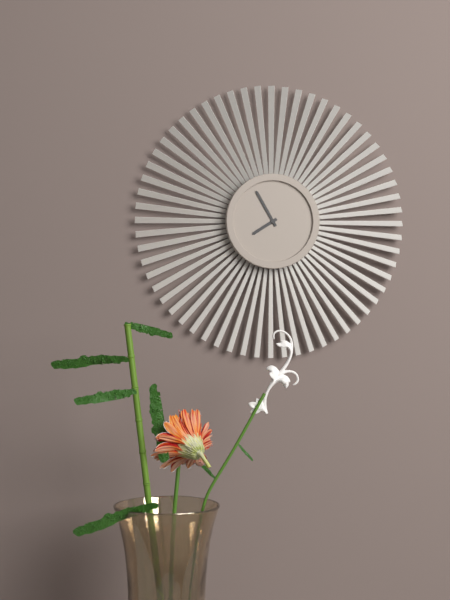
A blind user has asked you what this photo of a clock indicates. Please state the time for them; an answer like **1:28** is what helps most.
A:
**7:55**
